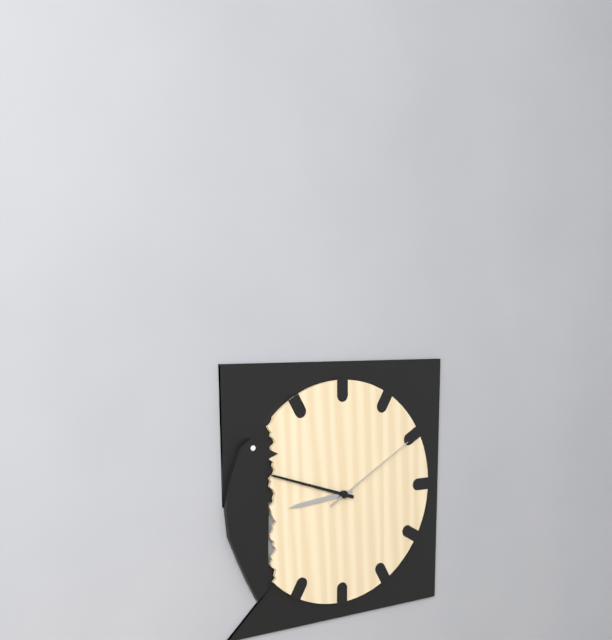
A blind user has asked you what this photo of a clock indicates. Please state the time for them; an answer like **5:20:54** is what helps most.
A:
**8:48:10**
